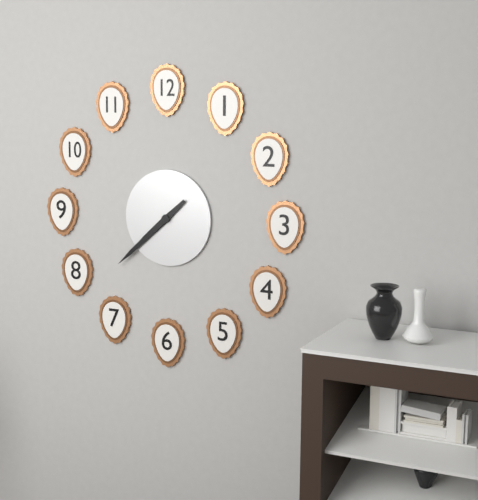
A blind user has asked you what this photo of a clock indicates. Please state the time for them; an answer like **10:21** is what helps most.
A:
**7:38**
